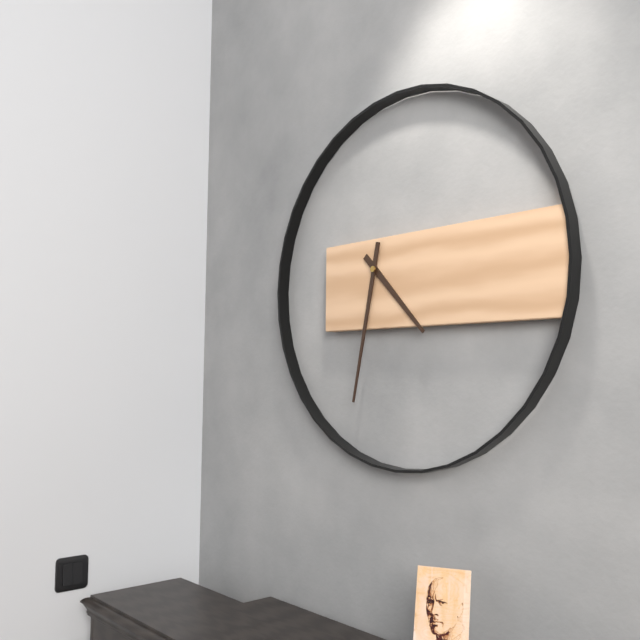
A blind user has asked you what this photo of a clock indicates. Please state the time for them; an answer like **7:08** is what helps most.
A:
**4:32**
